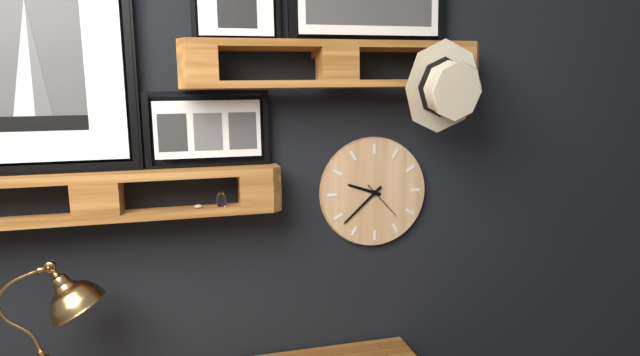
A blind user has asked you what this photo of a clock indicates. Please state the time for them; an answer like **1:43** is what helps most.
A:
**9:38**
